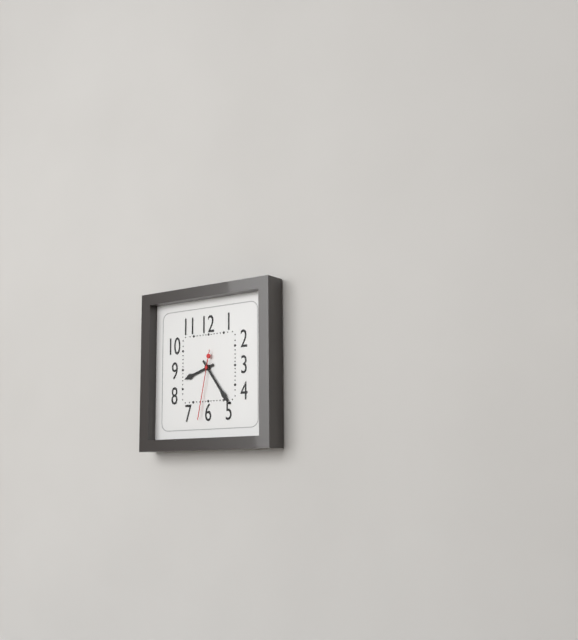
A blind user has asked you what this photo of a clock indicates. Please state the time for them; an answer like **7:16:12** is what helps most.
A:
**8:24:32**
